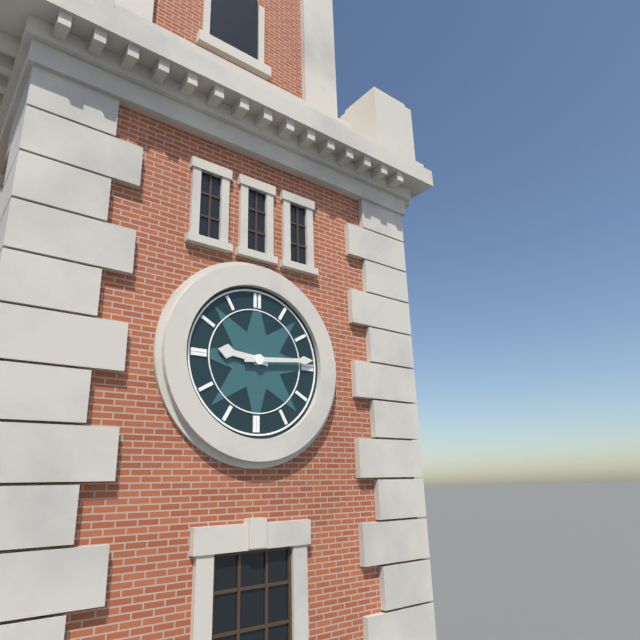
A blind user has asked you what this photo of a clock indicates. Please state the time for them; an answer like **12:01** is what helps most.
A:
**9:14**
